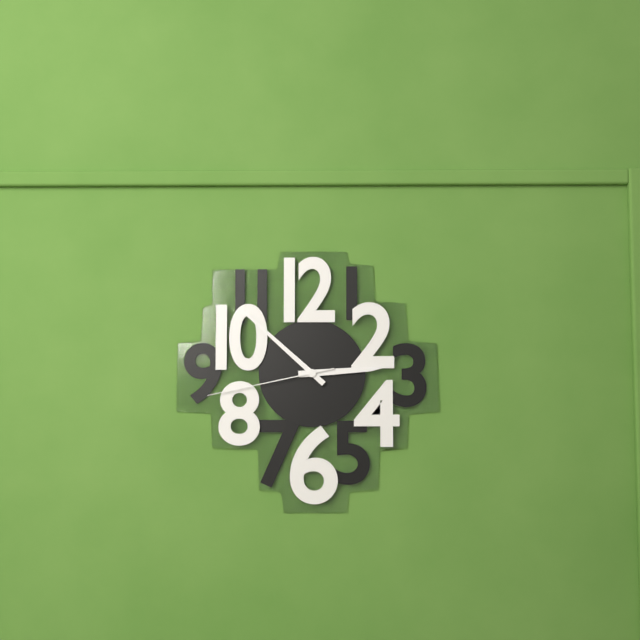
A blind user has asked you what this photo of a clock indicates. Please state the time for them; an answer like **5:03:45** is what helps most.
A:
**2:52:43**
